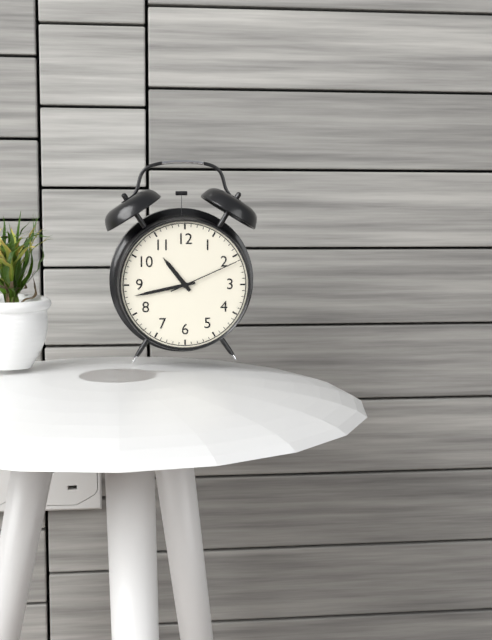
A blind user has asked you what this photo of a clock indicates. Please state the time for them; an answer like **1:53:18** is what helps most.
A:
**10:43:11**
